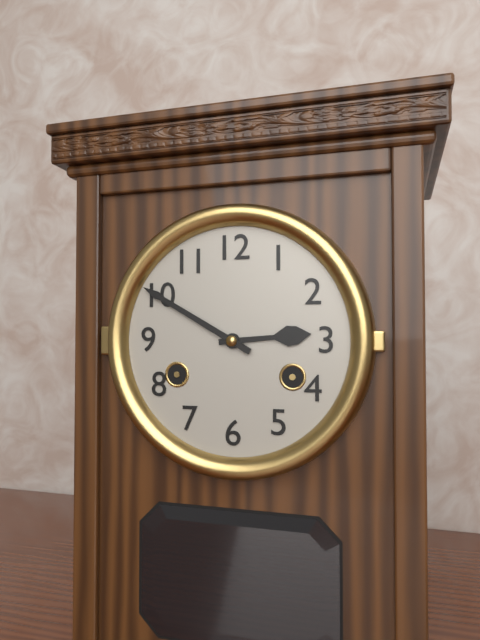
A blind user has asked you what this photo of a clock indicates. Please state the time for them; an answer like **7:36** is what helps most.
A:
**2:50**
